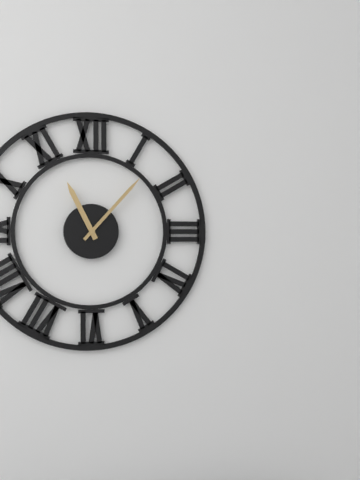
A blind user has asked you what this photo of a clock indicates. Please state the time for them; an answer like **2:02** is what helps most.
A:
**11:07**
